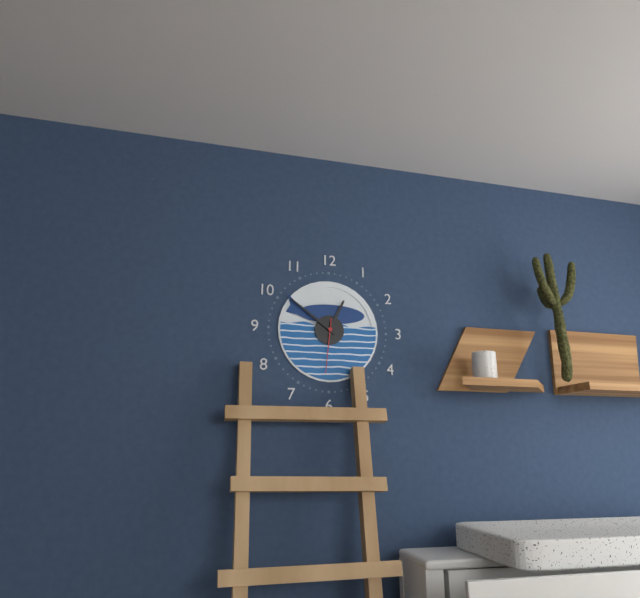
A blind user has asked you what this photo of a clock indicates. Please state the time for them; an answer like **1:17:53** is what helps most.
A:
**12:51:31**
